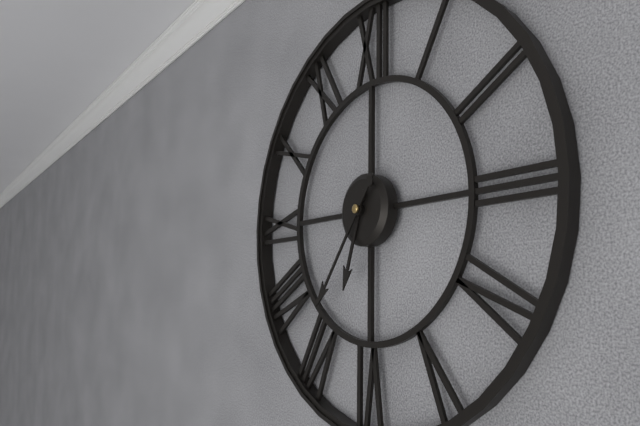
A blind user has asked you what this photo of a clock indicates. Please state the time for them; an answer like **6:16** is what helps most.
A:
**6:36**
